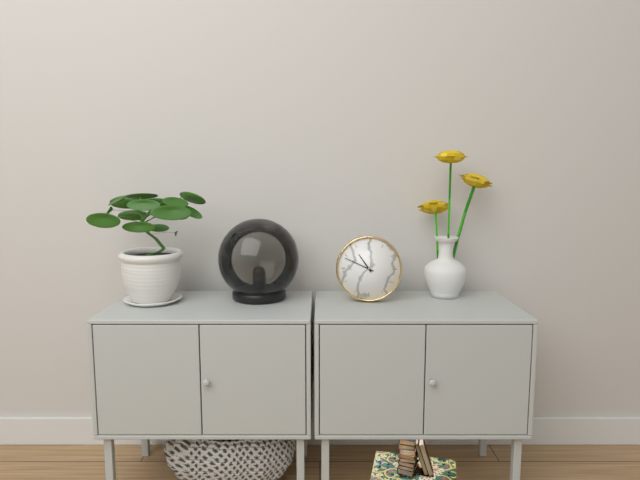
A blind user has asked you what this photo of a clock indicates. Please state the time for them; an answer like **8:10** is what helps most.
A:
**10:49**
